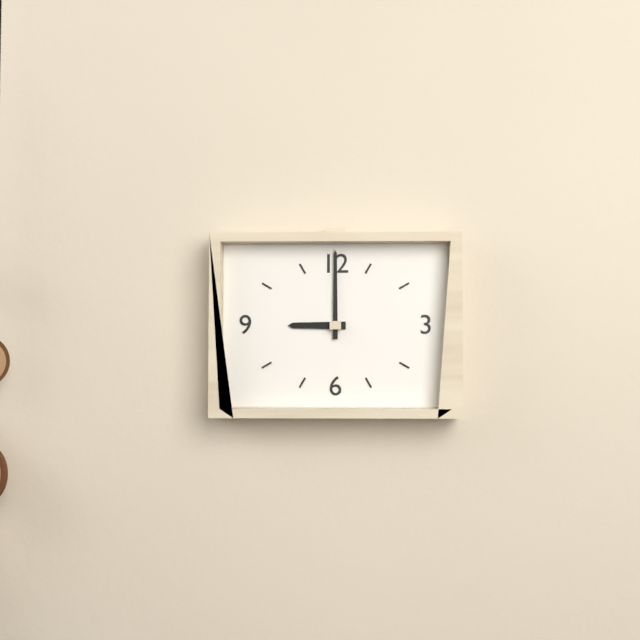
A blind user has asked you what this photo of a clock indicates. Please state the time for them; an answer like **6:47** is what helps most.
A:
**9:00**
